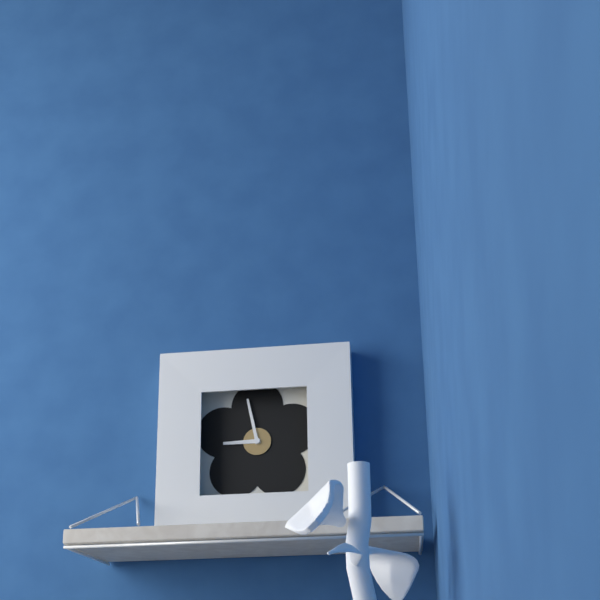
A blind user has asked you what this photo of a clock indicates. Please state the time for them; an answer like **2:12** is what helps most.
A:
**8:58**
